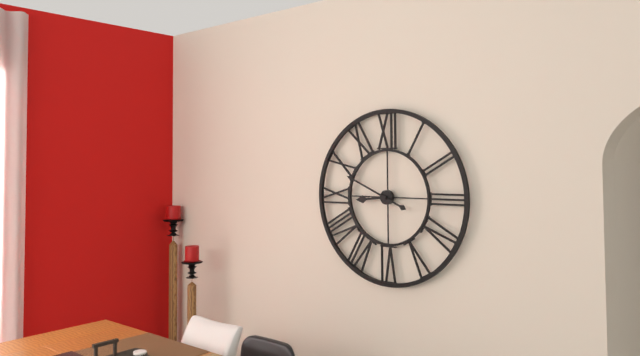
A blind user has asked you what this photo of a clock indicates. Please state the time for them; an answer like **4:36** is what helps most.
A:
**8:49**
